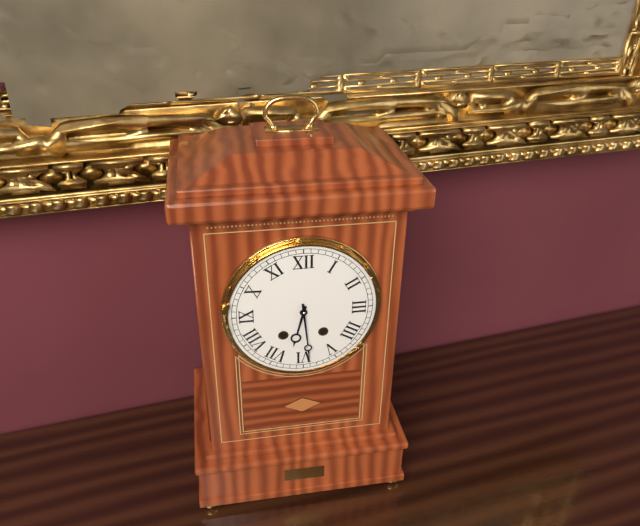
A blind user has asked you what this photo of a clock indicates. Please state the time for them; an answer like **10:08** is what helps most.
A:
**6:29**
